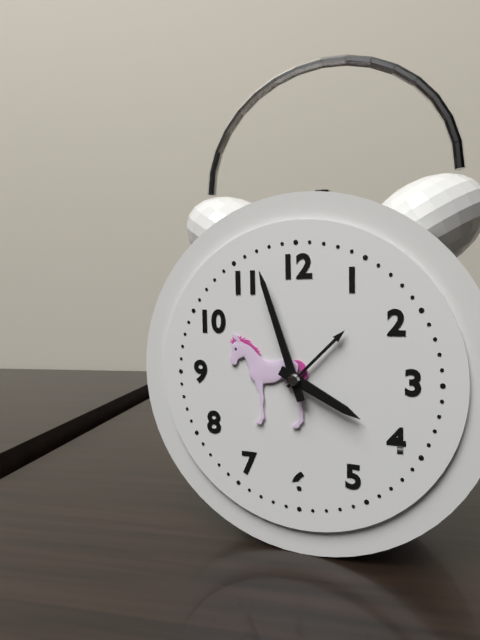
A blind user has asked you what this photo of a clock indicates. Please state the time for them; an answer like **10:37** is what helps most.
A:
**3:57**
